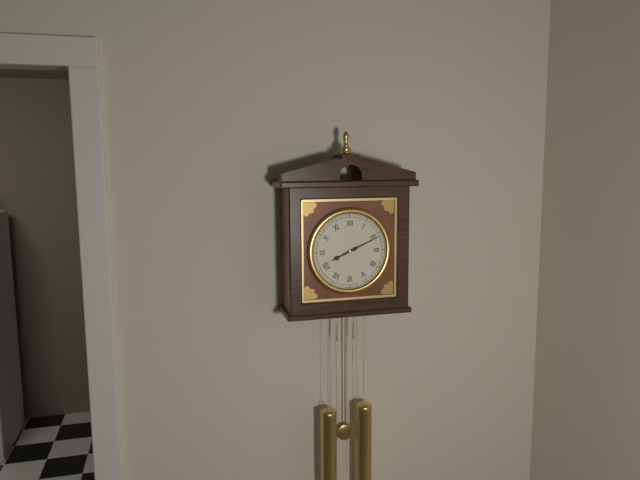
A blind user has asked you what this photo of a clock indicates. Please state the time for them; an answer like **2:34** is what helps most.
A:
**8:11**
